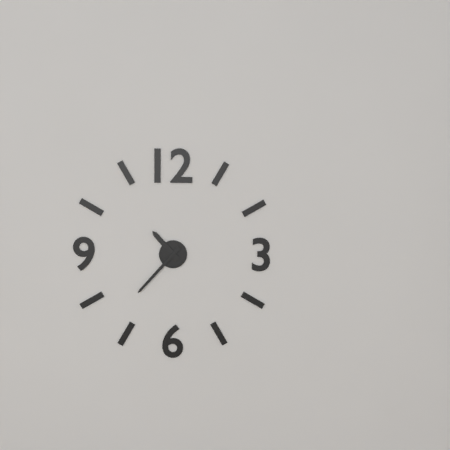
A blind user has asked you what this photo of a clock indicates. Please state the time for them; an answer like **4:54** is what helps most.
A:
**10:37**
